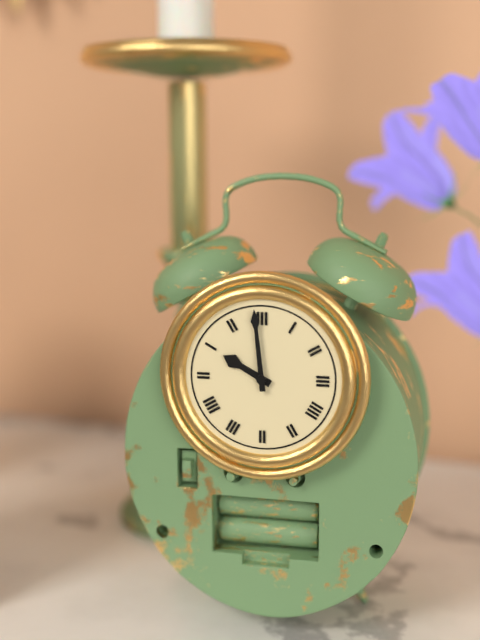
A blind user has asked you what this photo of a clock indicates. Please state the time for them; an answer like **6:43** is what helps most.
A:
**9:59**
